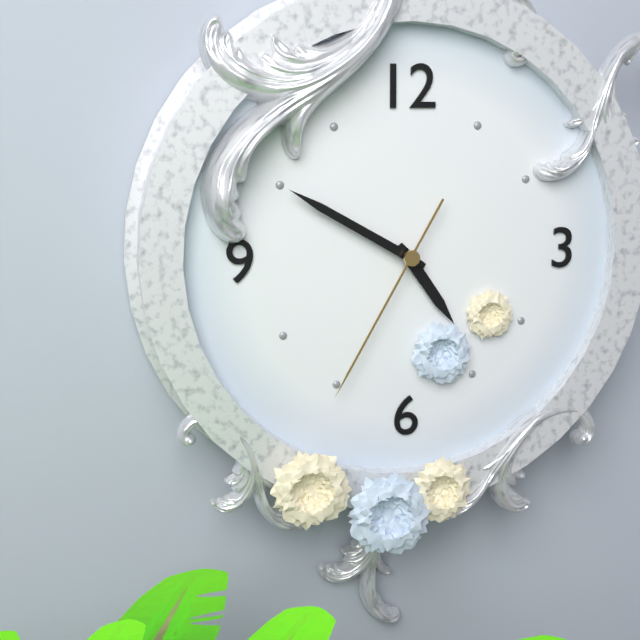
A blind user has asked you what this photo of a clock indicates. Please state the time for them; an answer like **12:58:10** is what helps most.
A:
**4:50:35**
